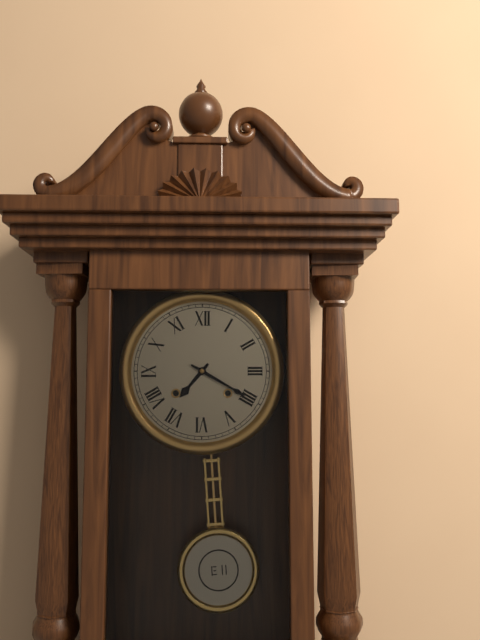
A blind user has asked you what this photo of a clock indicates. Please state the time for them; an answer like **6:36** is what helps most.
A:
**7:20**
